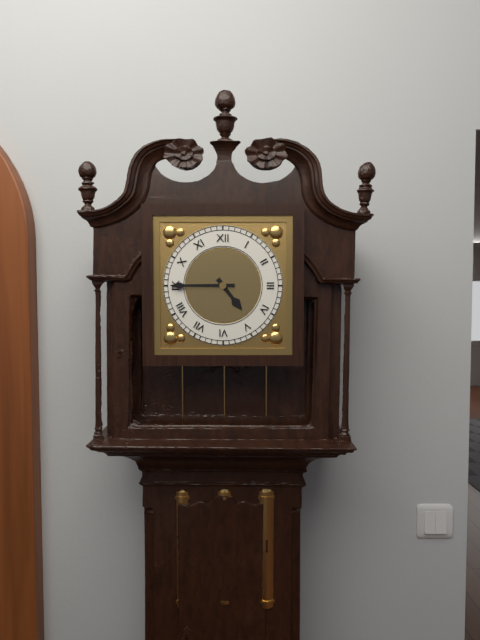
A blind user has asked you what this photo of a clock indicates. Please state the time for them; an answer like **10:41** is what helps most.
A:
**4:45**
